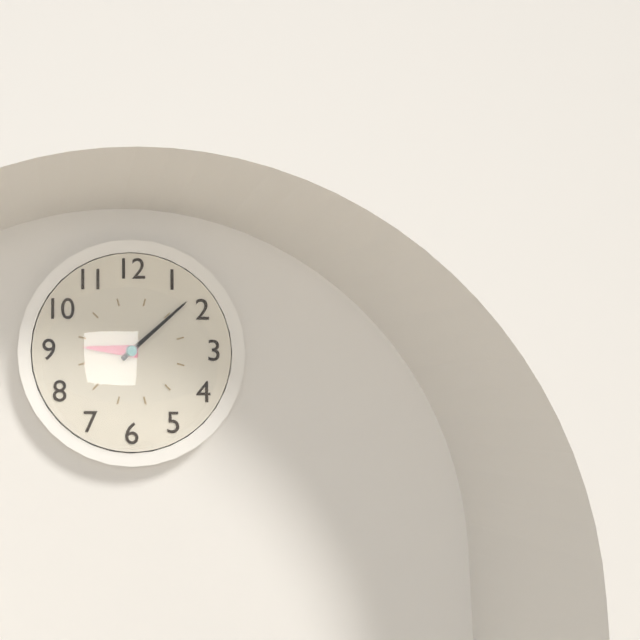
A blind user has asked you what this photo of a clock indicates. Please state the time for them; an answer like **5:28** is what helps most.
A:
**9:08**
